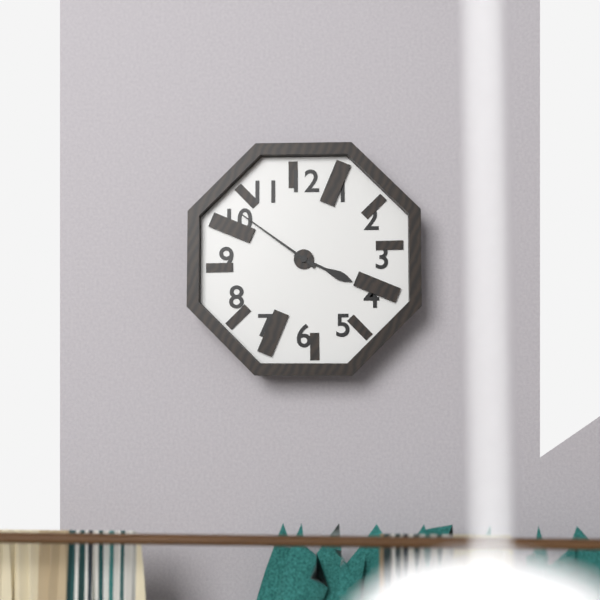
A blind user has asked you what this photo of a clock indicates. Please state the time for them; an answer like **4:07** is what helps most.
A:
**3:51**
